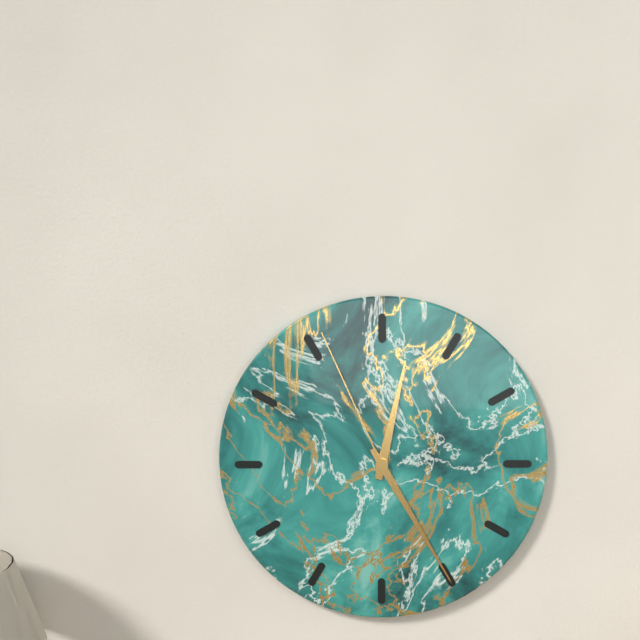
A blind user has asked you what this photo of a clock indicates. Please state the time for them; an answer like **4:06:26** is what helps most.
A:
**12:25:56**
